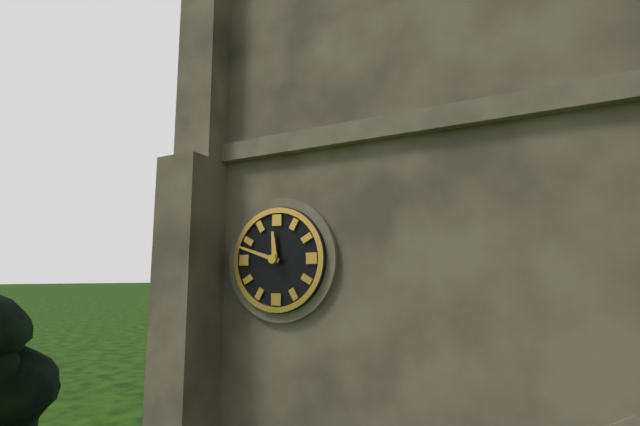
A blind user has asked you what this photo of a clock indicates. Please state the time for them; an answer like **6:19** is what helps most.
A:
**11:48**
